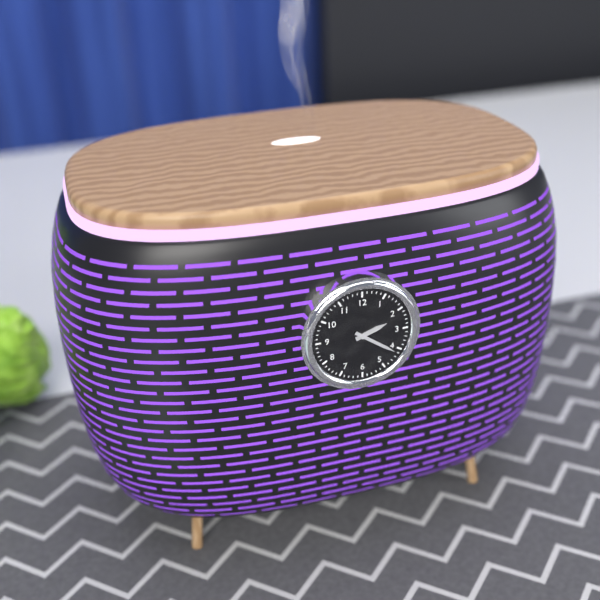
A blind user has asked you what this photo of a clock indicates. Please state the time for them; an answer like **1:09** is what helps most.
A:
**2:21**
